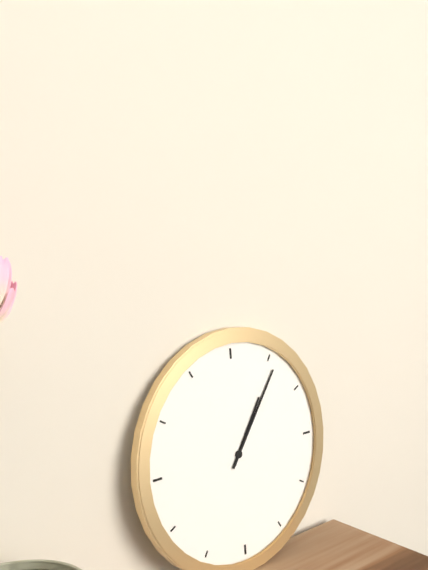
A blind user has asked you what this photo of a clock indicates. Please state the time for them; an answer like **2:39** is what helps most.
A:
**1:06**
